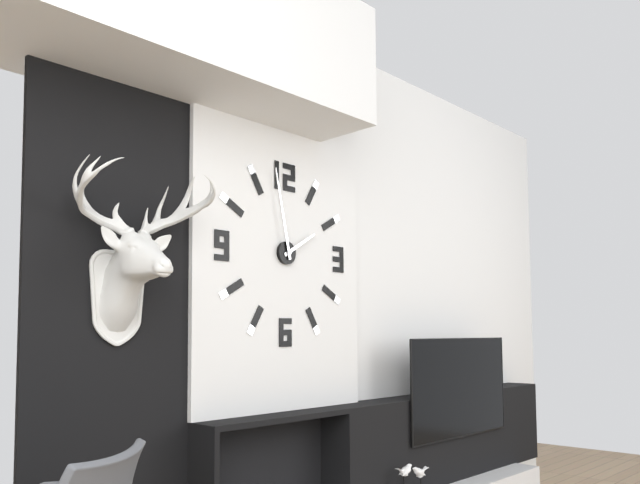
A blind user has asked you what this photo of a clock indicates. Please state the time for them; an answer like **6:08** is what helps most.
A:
**1:58**
